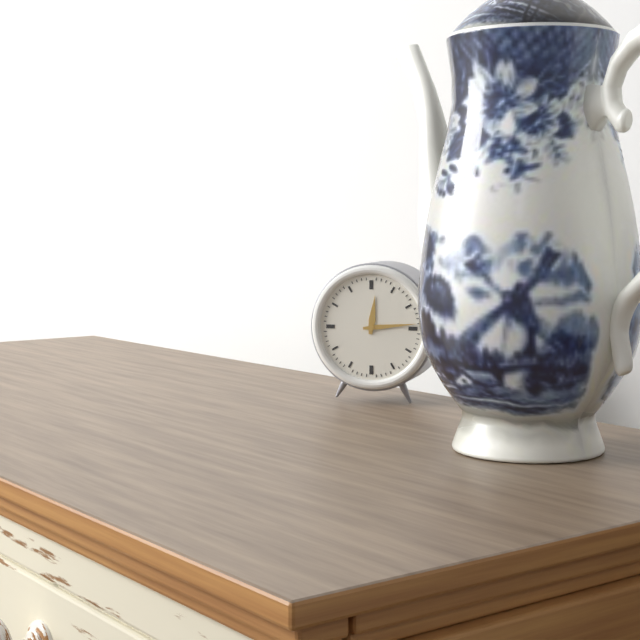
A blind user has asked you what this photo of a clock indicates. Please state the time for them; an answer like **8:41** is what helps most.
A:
**12:14**
